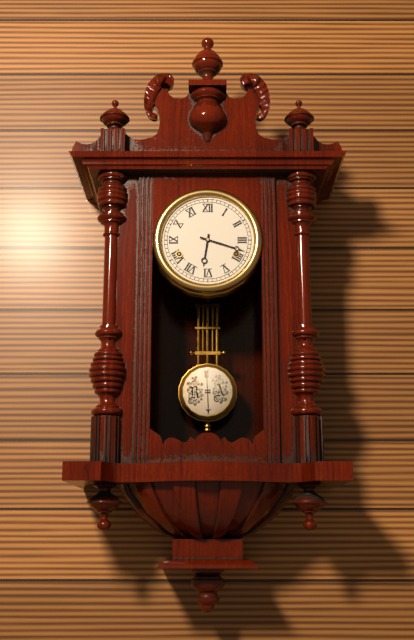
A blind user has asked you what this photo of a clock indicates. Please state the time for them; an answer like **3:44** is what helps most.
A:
**6:18**
